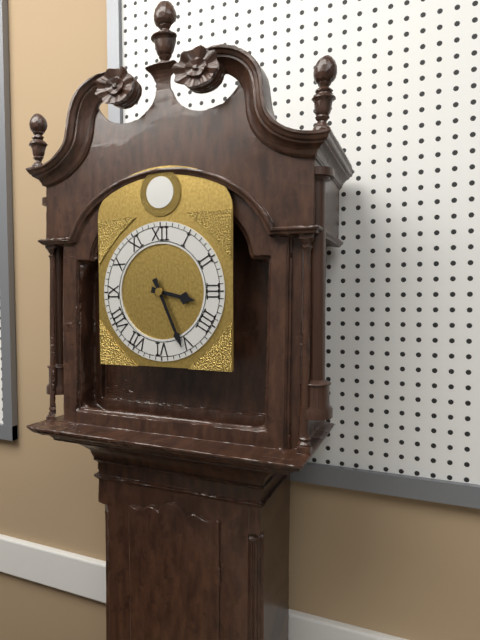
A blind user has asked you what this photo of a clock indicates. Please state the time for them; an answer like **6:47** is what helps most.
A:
**3:26**
